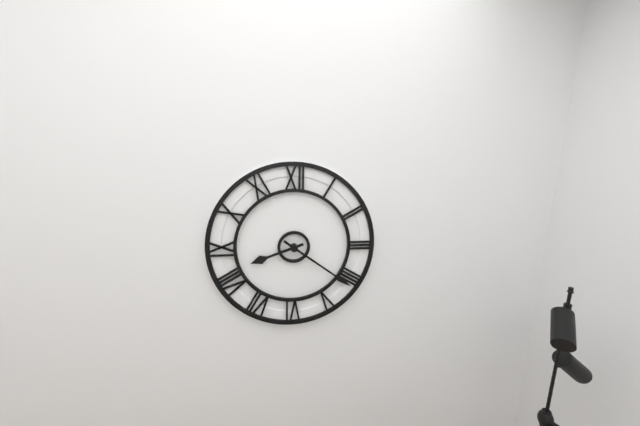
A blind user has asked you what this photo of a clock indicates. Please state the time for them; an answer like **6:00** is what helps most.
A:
**8:21**
